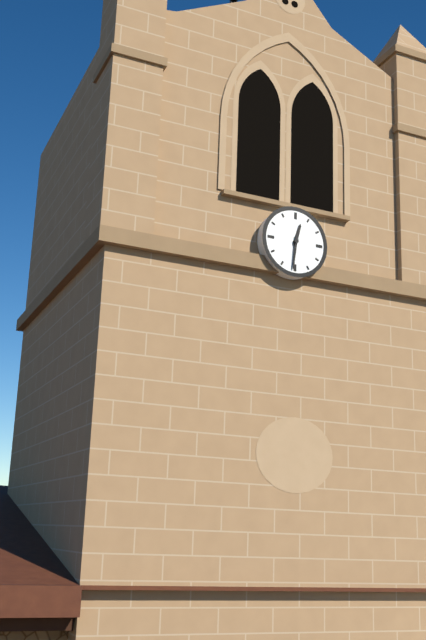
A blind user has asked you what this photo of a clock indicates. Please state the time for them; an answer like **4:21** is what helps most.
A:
**12:31**
